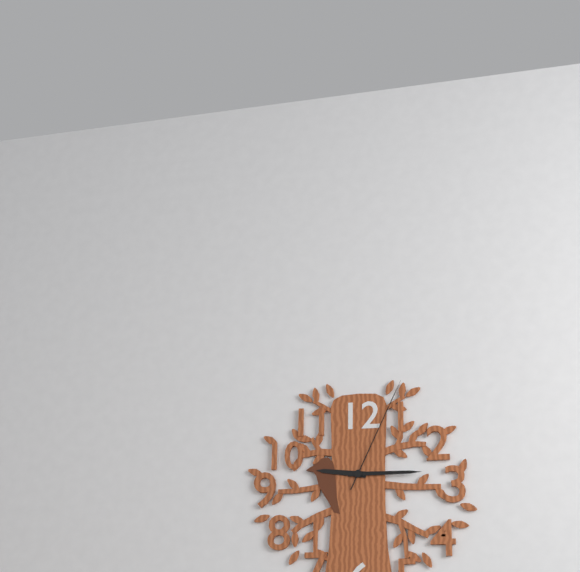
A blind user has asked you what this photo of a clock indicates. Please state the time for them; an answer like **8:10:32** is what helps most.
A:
**9:15:04**
